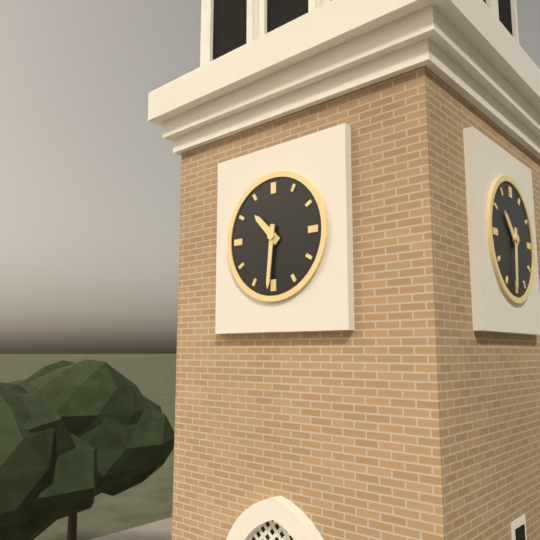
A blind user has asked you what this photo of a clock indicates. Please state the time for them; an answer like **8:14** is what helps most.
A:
**10:31**
